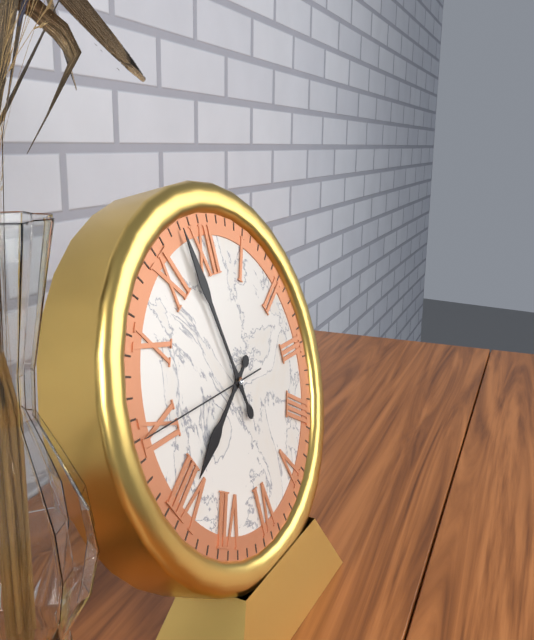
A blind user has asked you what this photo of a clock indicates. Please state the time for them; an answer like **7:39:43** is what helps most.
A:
**7:58:45**
